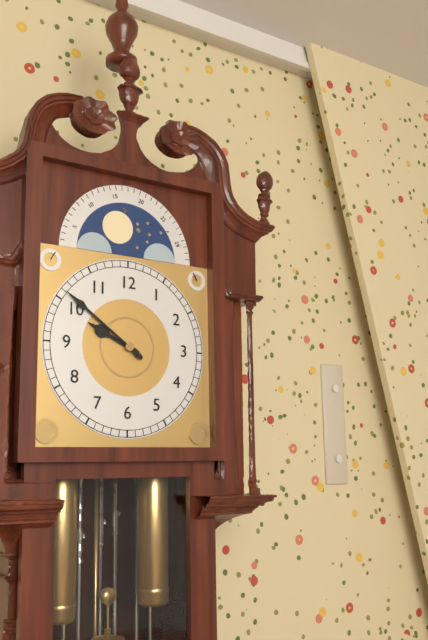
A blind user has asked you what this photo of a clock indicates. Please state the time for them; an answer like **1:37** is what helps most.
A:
**9:51**
